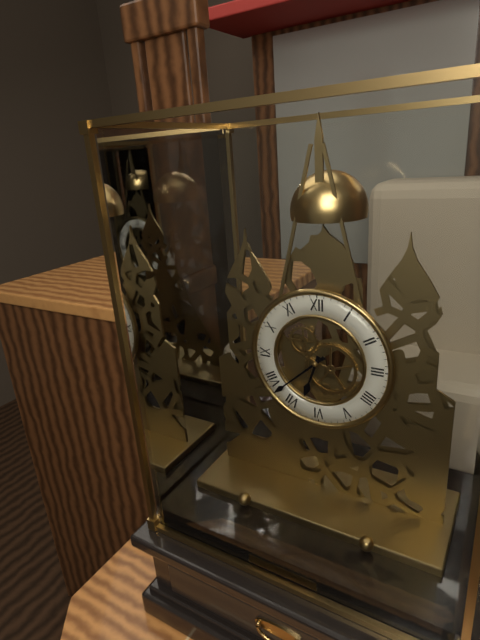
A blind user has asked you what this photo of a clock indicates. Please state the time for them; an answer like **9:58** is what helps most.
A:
**6:38**
